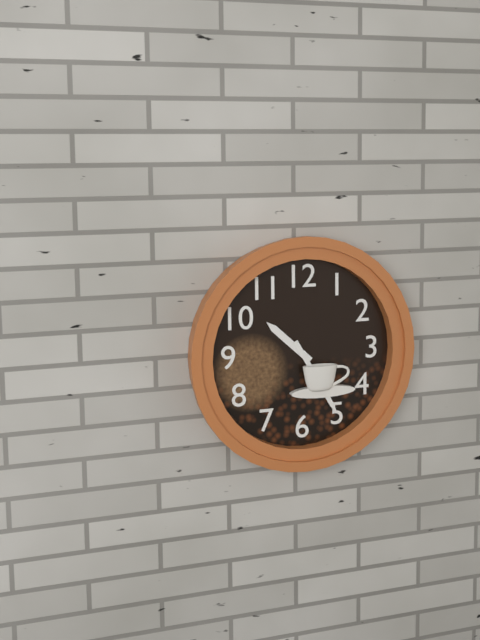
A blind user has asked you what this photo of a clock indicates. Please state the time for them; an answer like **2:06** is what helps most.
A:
**10:25**
